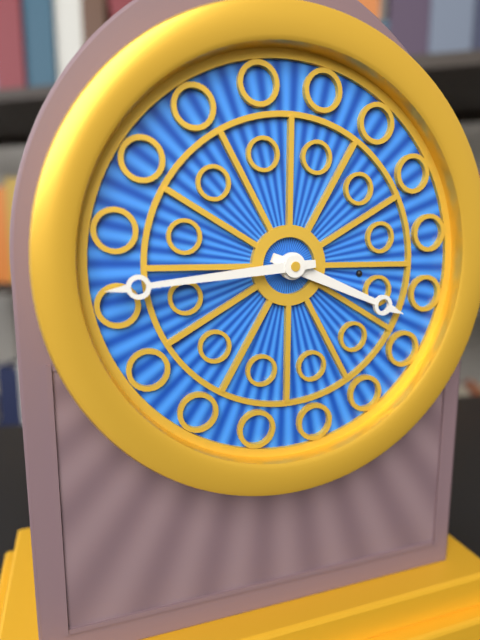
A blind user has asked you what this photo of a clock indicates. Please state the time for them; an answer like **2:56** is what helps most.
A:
**3:44**
